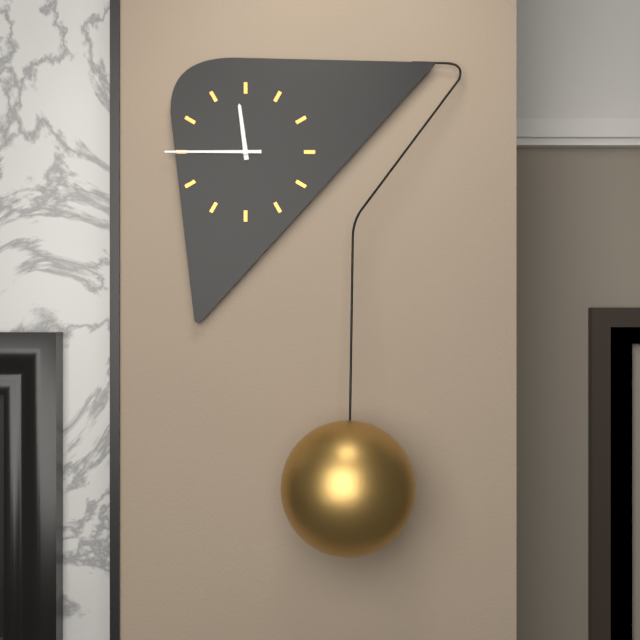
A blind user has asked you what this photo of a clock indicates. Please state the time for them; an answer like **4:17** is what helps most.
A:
**11:45**
